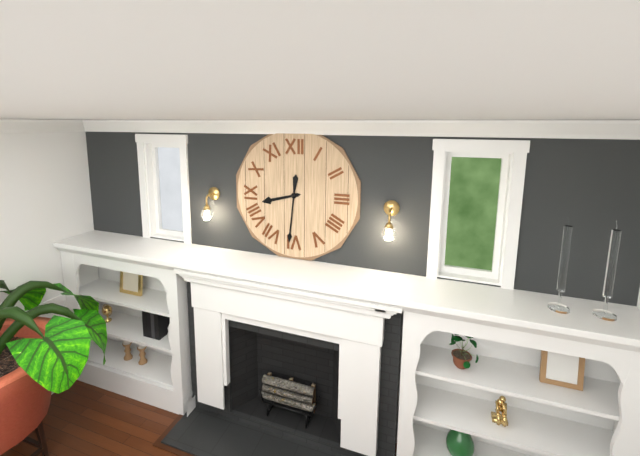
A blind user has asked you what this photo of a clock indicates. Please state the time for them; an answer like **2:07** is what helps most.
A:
**8:31**
